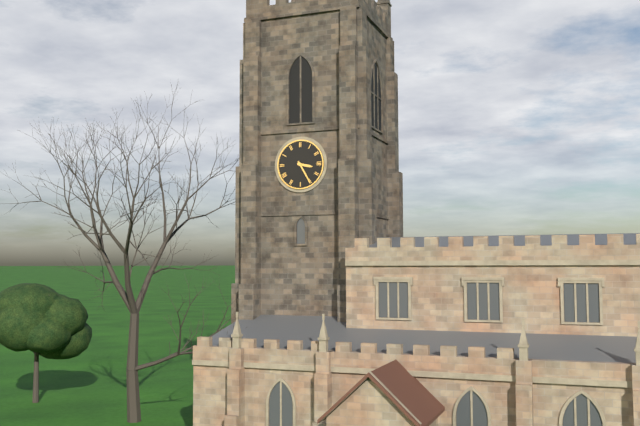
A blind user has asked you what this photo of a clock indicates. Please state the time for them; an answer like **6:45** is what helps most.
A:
**3:25**
